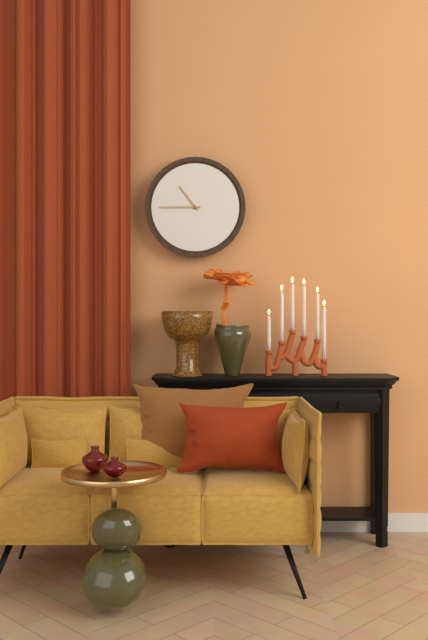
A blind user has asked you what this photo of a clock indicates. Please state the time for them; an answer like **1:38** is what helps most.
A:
**10:45**
